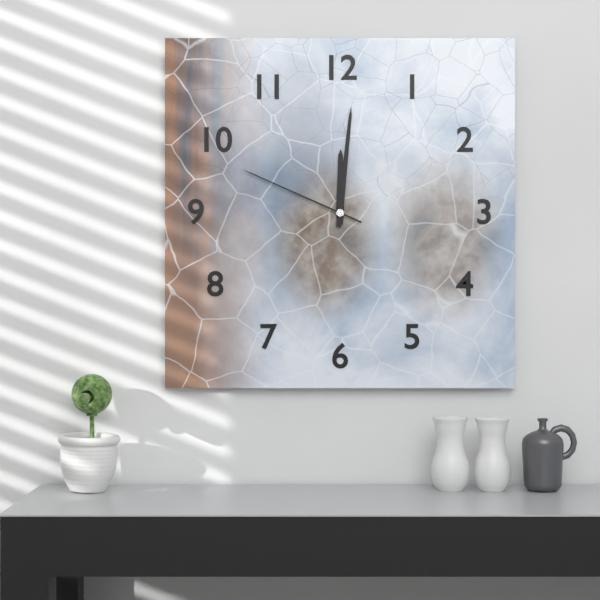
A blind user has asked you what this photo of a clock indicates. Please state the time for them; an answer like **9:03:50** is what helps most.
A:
**12:01:49**
